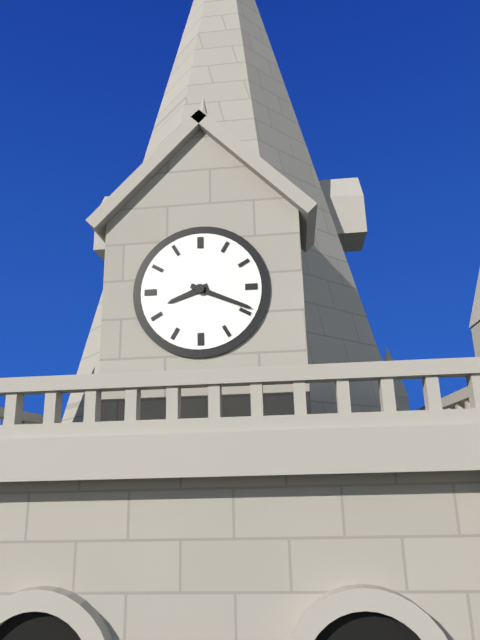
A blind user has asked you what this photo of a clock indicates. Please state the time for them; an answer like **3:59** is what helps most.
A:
**8:19**
